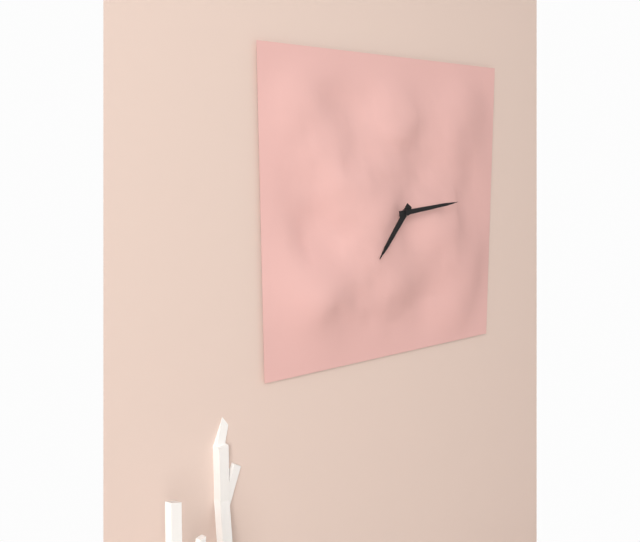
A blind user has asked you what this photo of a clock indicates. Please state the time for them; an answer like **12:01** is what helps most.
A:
**7:14**
